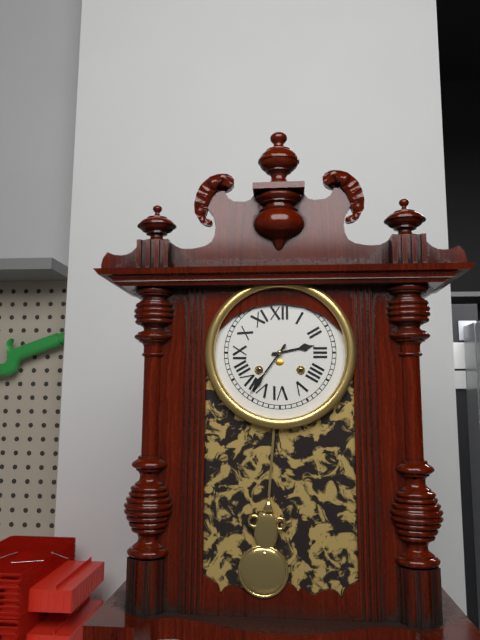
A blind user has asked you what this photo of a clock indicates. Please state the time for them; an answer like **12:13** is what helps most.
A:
**2:36**
